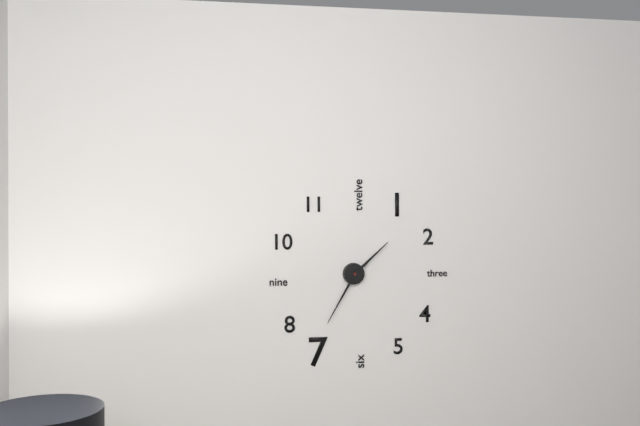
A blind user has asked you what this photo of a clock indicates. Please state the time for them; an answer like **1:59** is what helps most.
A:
**1:35**
